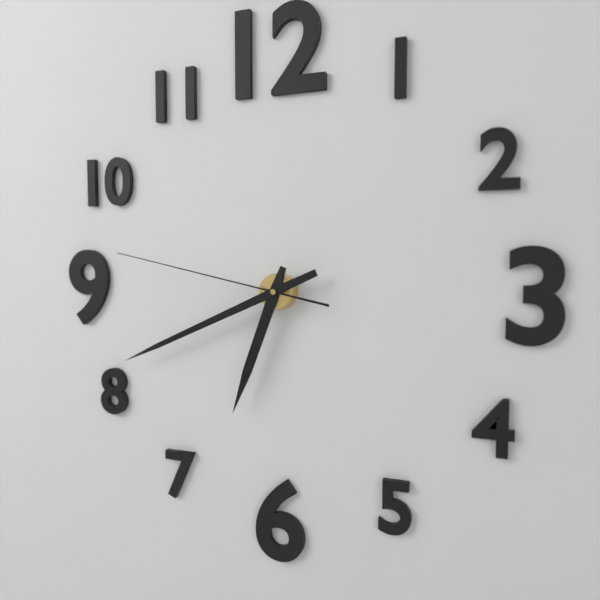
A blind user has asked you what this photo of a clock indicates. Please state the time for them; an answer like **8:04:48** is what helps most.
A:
**6:41:47**
